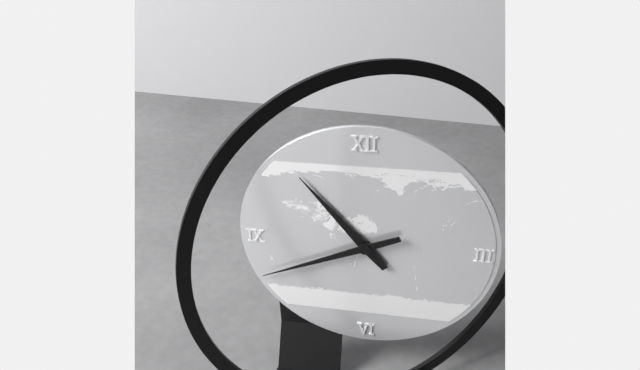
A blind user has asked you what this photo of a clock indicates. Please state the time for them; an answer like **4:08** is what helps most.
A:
**10:41**
